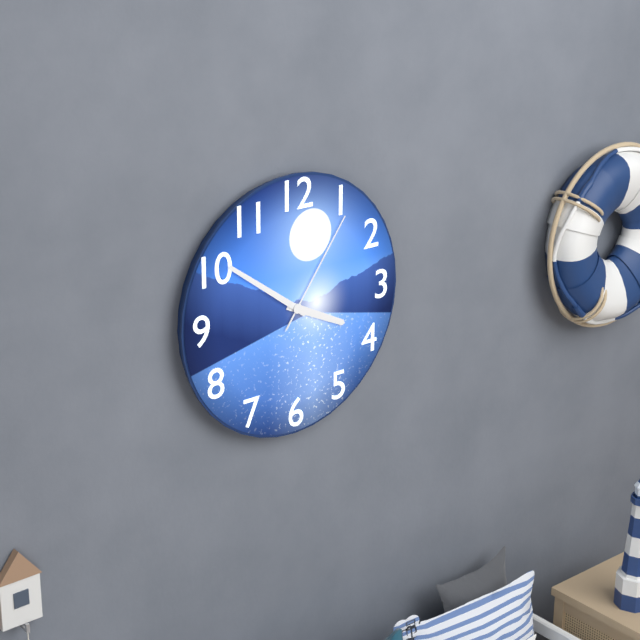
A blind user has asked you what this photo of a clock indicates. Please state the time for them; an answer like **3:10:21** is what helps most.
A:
**3:51:06**
